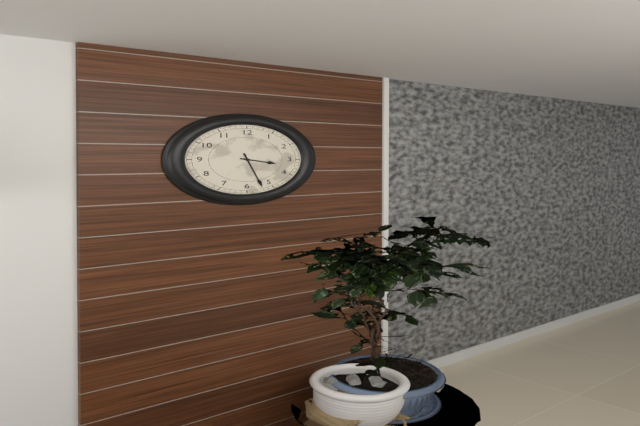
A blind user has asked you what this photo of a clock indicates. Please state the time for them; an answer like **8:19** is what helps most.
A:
**3:27**
